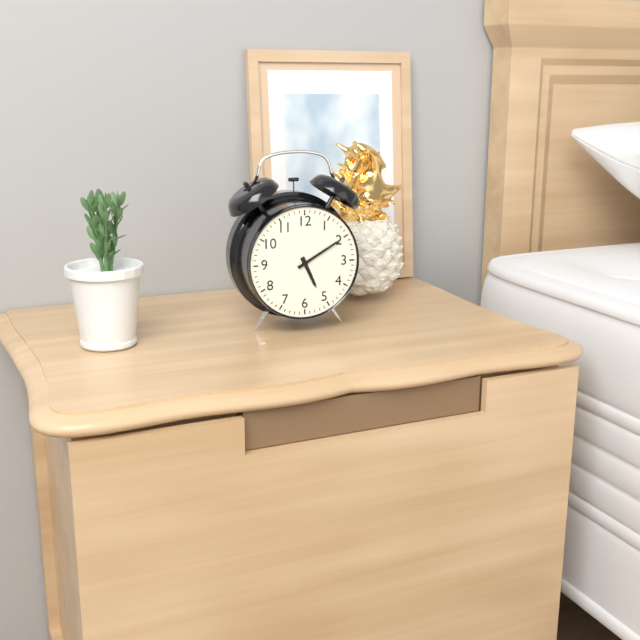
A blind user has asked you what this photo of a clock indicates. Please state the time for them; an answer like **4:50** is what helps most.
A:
**5:10**
